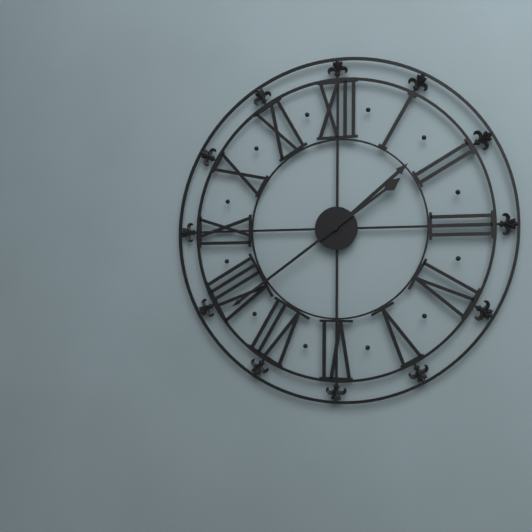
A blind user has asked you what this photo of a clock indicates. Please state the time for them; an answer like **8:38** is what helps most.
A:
**1:39**
